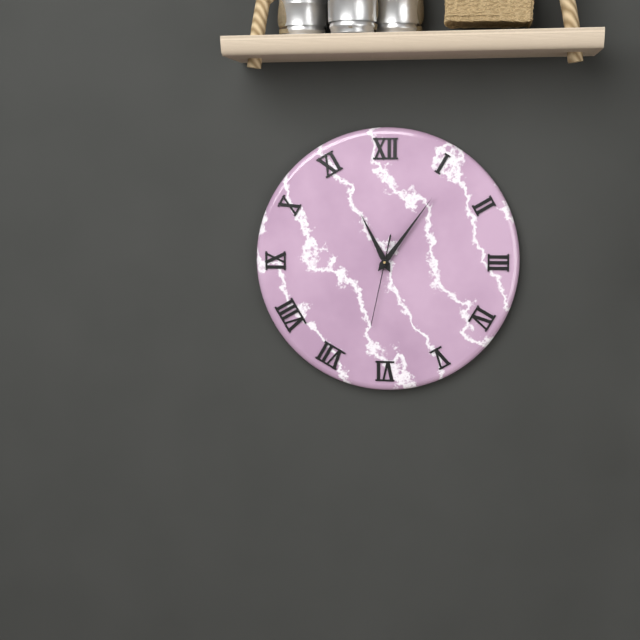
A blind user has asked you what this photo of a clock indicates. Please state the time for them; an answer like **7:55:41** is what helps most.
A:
**11:06:32**
